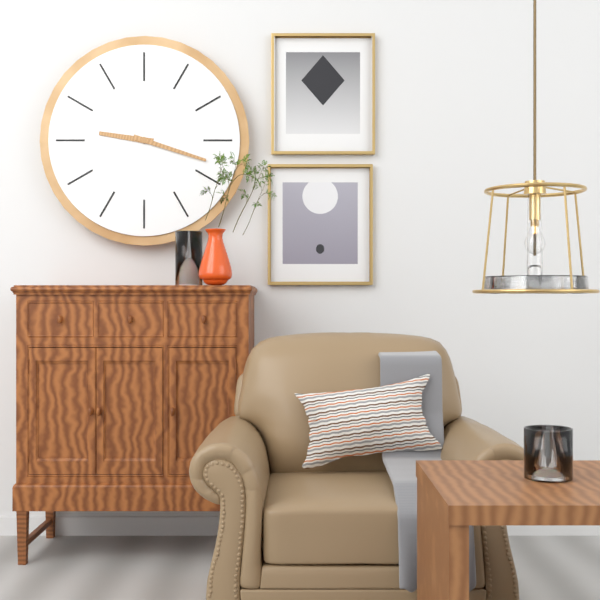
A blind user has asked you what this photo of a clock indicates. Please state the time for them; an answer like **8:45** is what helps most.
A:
**9:18**
